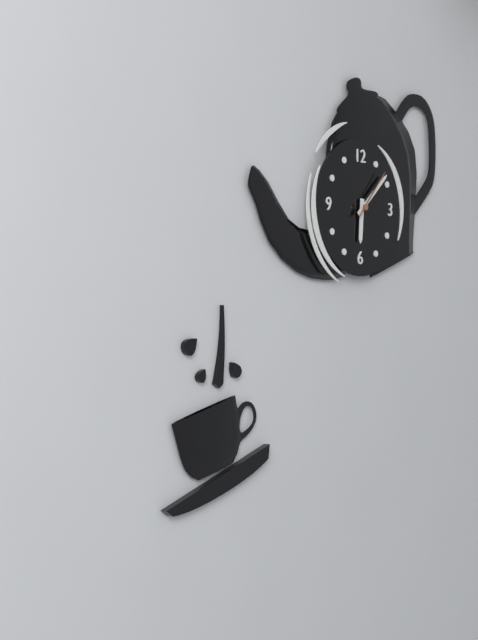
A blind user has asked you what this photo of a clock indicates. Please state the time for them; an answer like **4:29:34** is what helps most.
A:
**6:08:07**
